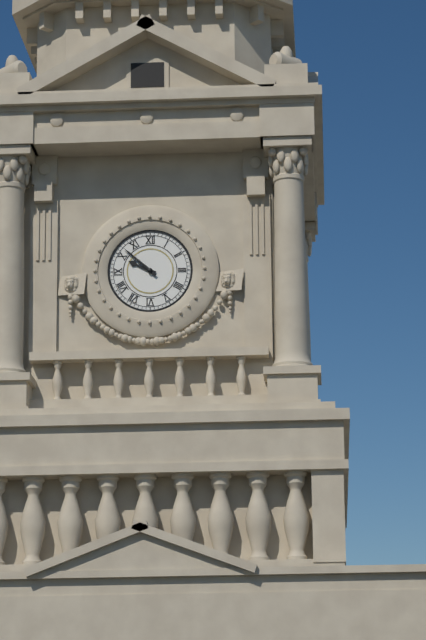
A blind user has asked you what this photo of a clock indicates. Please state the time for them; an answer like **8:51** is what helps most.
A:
**9:52**
